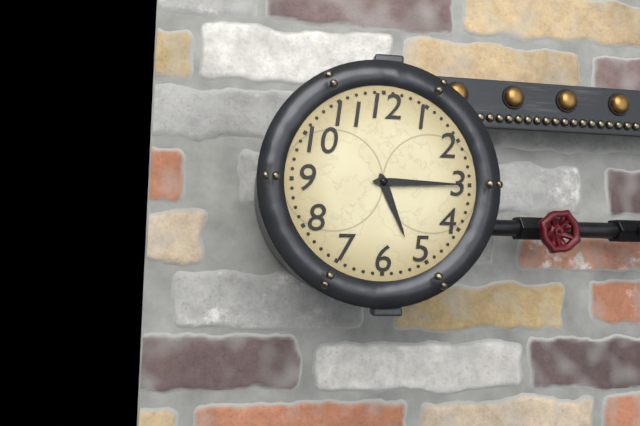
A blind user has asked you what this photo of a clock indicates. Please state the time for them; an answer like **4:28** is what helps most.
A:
**5:15**
